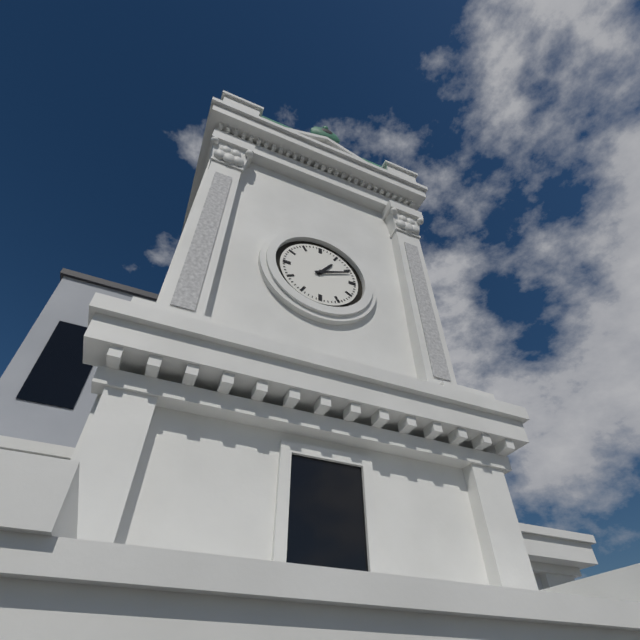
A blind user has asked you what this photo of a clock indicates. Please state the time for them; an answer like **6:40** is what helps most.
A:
**1:11**
